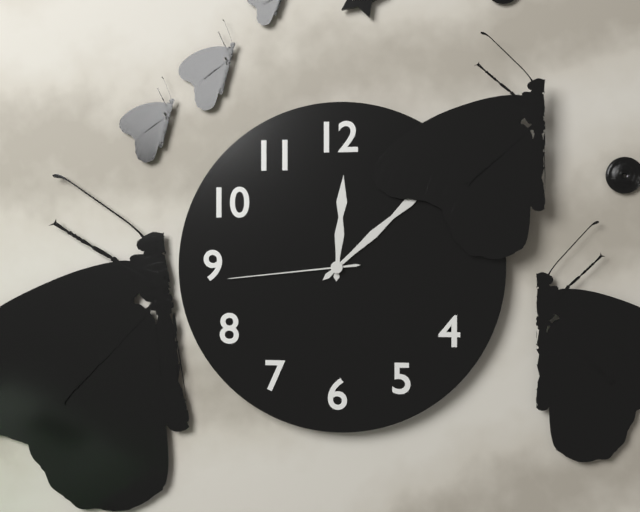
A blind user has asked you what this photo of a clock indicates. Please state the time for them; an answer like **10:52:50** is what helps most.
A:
**12:08:44**
